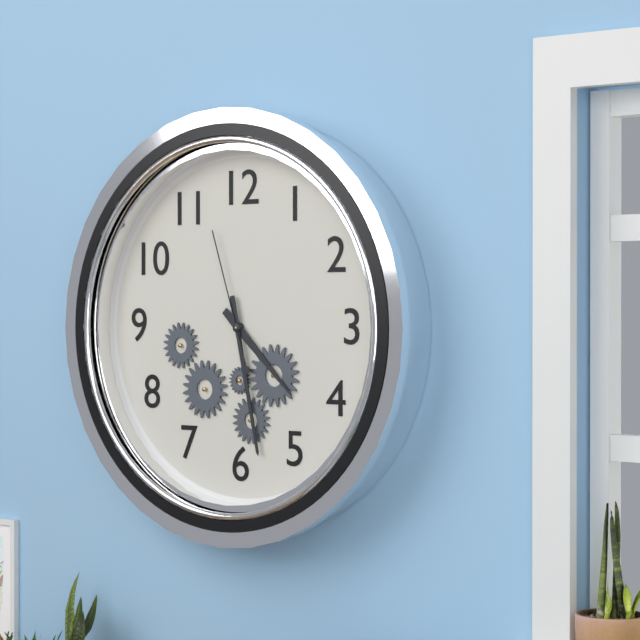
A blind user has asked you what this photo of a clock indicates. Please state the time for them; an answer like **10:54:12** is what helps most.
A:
**4:28:57**
